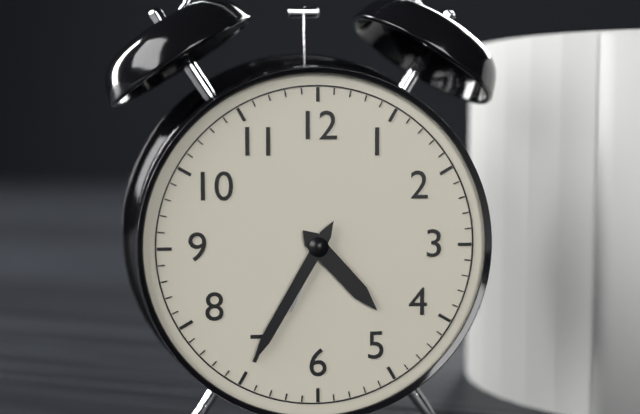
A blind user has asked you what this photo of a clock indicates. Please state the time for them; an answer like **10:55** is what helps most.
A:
**4:35**
